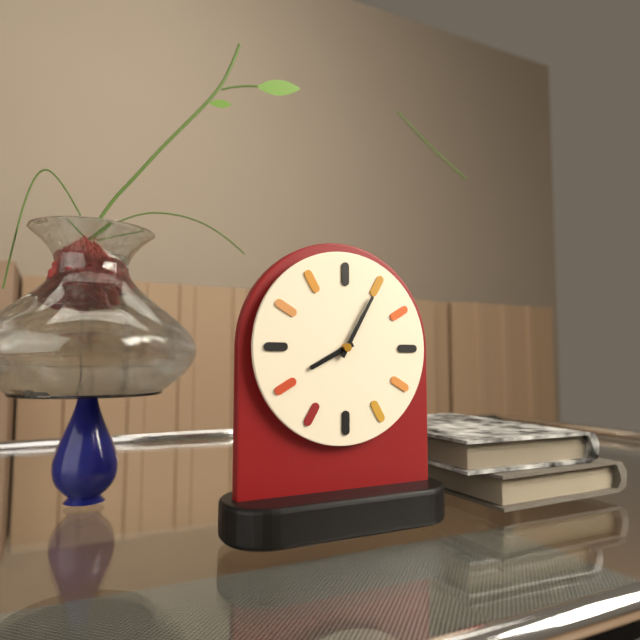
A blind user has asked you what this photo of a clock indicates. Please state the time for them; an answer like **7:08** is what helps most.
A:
**8:05**
